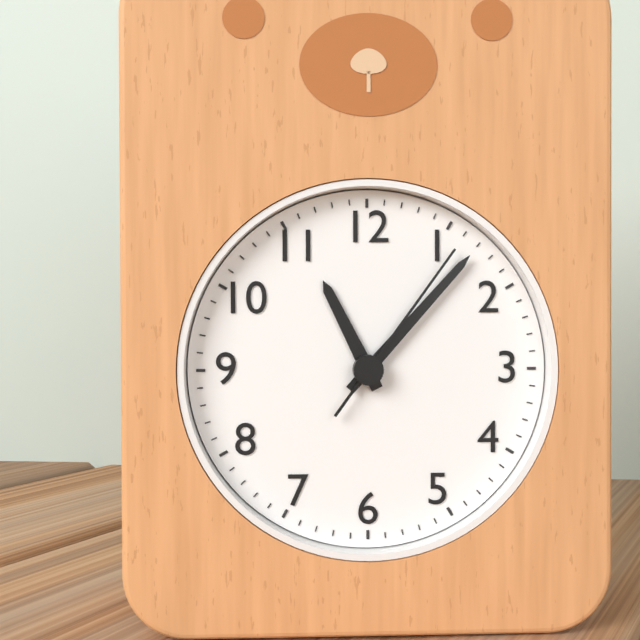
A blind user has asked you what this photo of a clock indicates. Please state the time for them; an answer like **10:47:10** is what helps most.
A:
**11:07:06**
